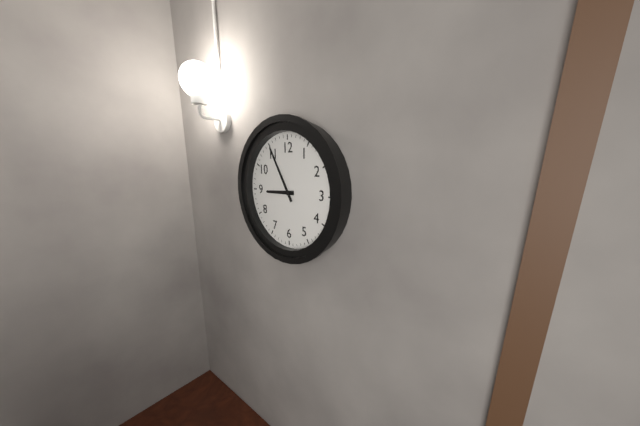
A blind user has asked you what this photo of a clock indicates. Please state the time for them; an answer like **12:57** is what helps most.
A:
**8:55**
